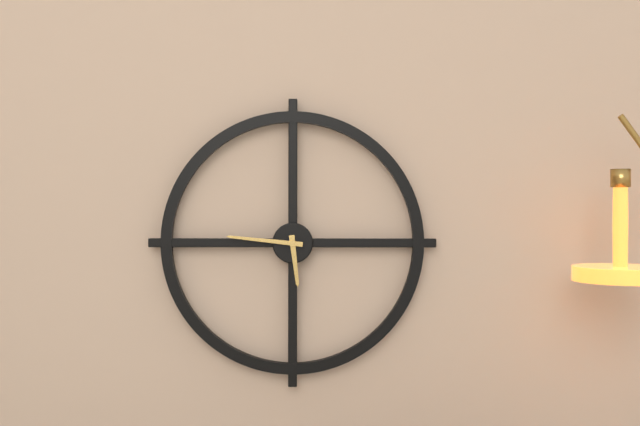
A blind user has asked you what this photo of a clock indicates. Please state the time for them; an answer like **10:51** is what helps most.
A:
**5:46**
